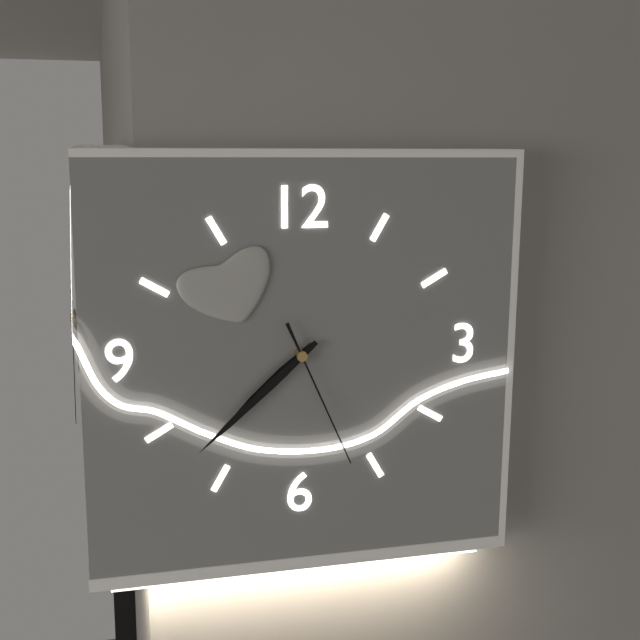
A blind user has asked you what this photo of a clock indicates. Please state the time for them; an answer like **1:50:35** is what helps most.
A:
**7:38:26**
